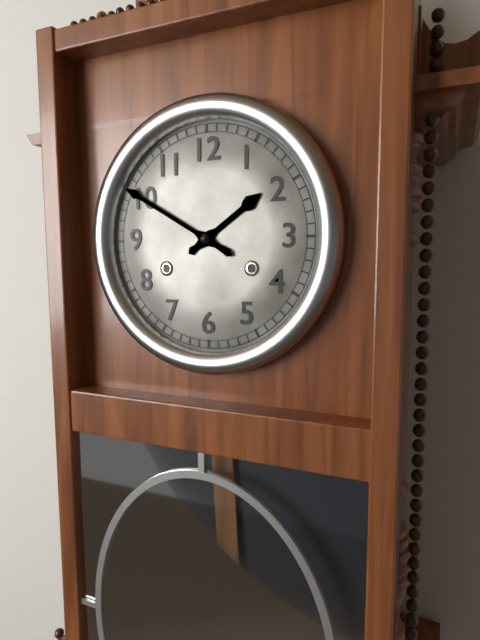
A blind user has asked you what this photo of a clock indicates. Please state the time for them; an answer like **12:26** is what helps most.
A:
**1:50**
